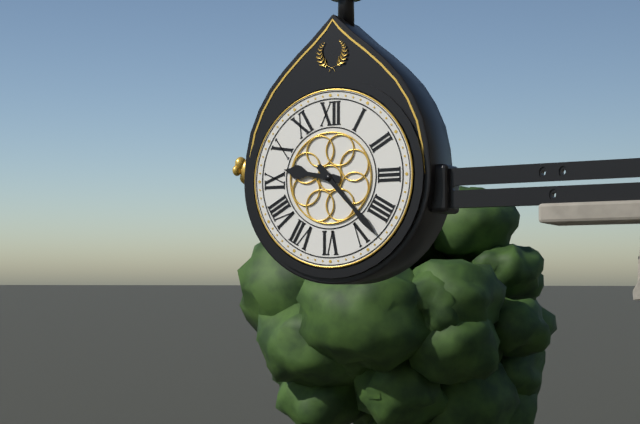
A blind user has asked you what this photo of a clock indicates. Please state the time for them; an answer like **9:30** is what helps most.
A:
**9:23**
